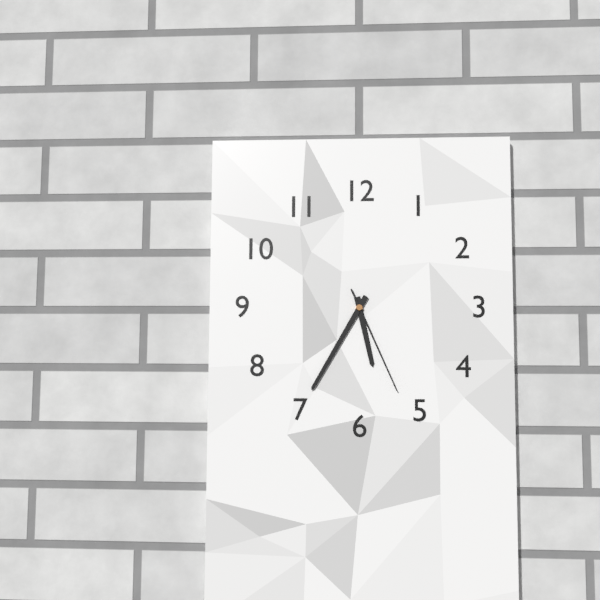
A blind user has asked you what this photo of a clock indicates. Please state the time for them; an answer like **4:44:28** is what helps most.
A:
**5:35:26**
